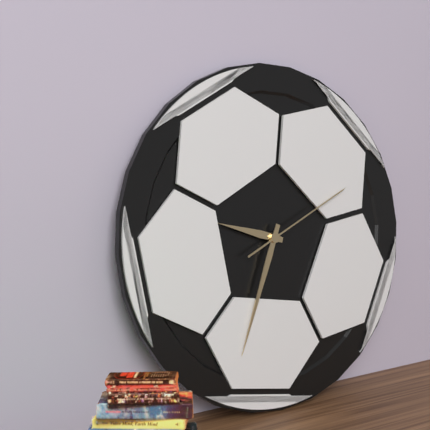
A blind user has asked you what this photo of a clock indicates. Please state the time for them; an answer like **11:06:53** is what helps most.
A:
**9:34:11**
